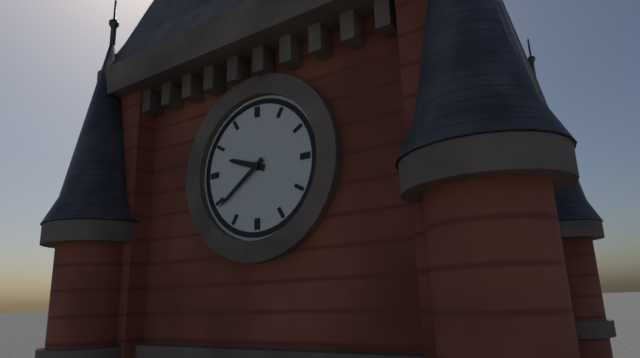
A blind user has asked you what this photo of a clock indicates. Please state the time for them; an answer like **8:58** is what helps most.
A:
**9:39**
